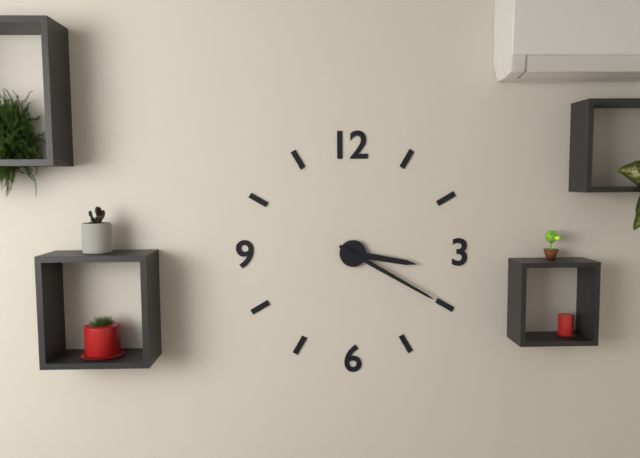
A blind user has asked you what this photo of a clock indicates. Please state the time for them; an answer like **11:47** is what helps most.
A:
**3:20**
